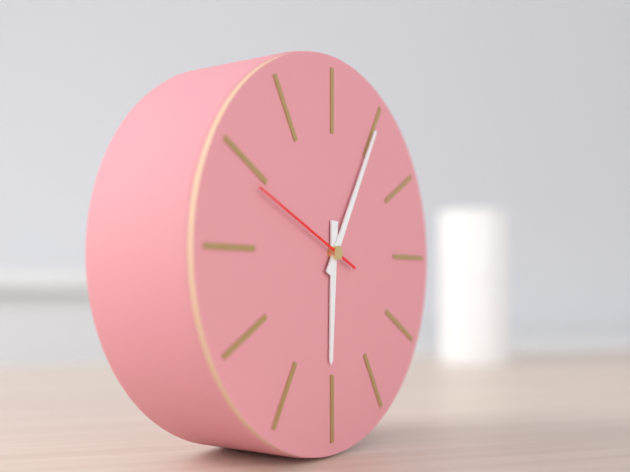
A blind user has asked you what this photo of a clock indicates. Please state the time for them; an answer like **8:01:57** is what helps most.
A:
**6:05:49**
